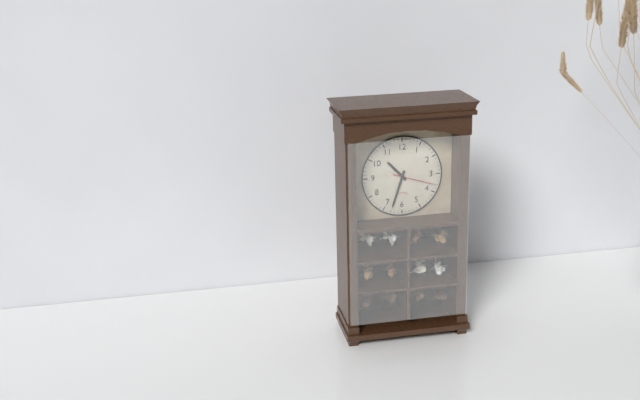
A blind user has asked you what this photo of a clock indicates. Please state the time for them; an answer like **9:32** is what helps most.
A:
**10:33**
